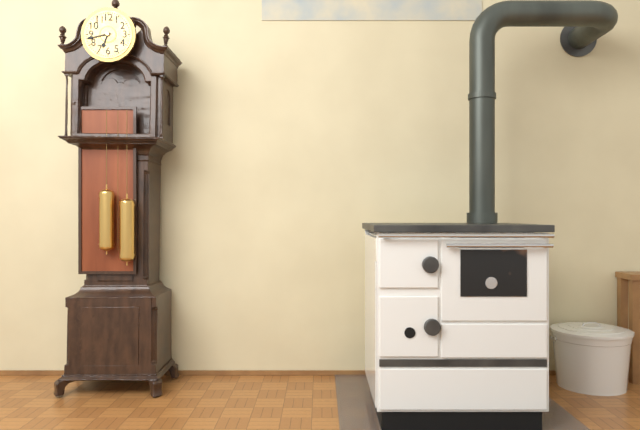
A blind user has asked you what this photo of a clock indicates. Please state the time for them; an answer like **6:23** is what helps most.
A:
**6:43**
